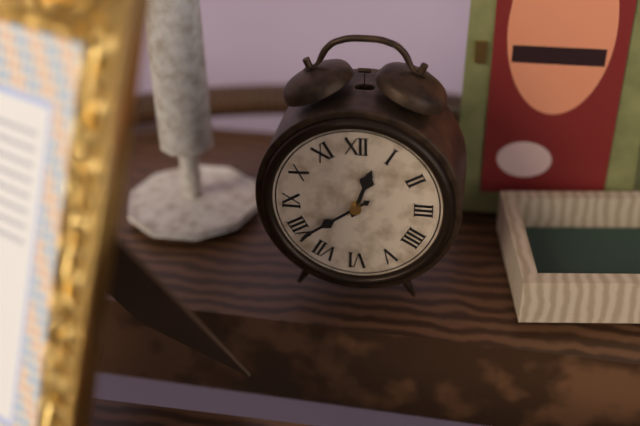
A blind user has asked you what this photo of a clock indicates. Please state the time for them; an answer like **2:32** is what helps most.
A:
**12:39**
